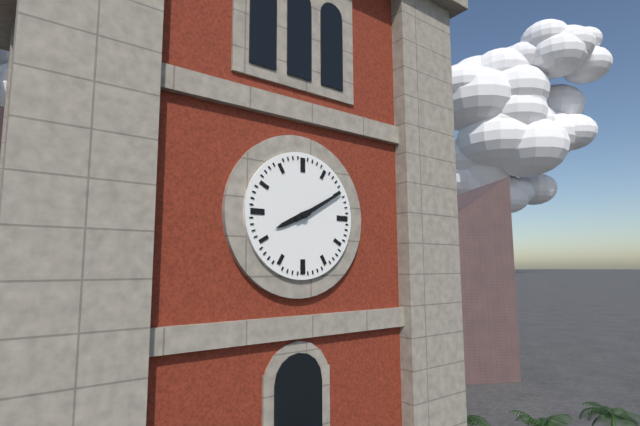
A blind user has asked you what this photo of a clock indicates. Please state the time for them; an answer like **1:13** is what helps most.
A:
**8:10**
